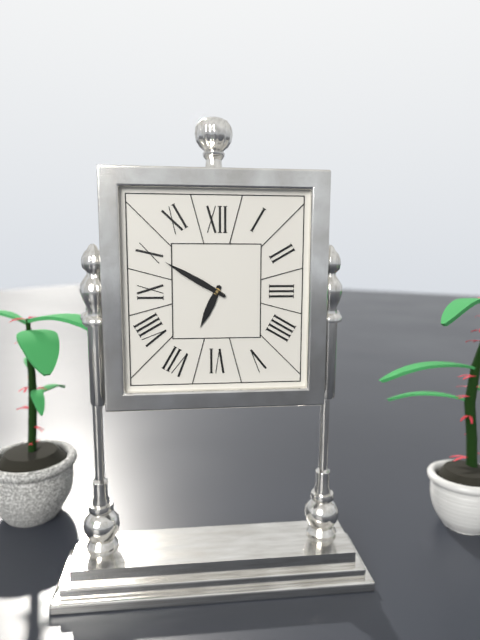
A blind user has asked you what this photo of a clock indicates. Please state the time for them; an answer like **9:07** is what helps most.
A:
**6:50**
